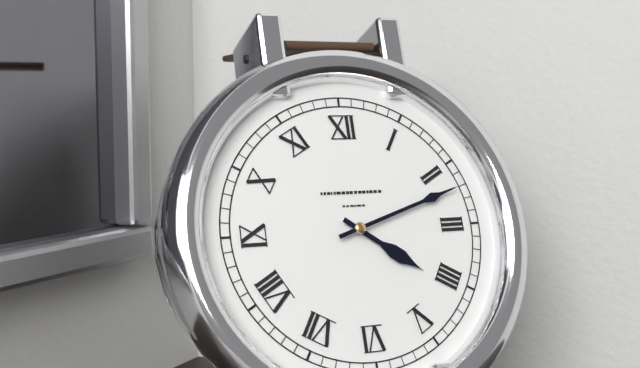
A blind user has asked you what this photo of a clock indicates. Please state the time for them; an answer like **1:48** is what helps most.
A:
**4:12**
